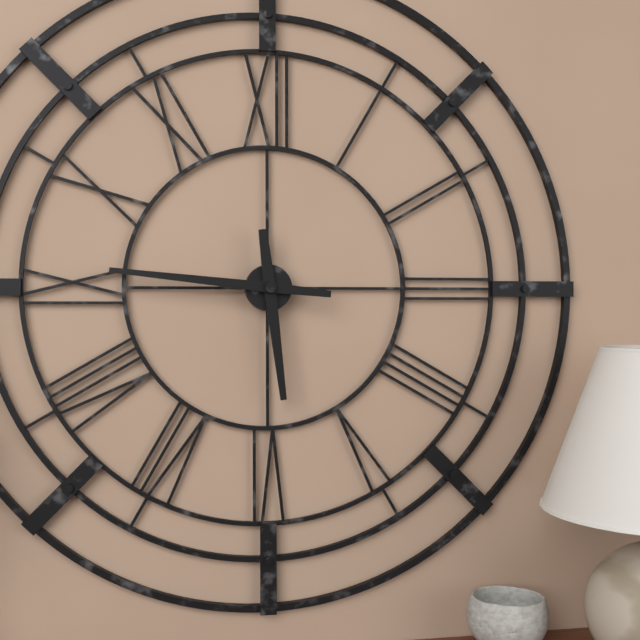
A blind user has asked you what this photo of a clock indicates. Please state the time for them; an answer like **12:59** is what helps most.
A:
**5:46**
